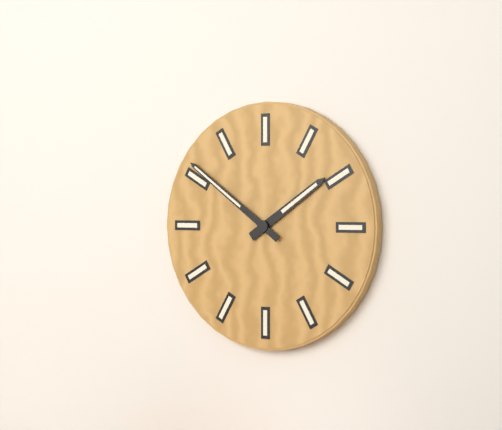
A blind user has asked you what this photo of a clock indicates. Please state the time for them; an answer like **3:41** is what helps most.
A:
**1:51**
